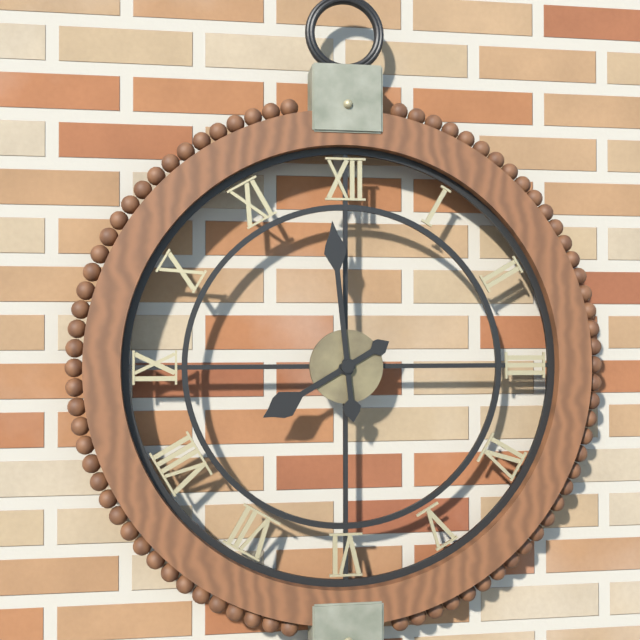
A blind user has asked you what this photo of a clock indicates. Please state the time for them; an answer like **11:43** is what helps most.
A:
**7:59**
